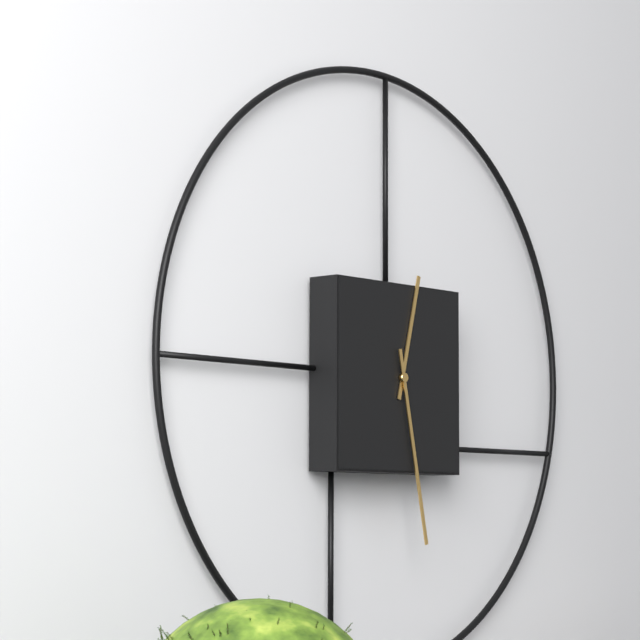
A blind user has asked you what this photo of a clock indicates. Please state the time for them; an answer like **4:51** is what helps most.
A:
**12:28**
